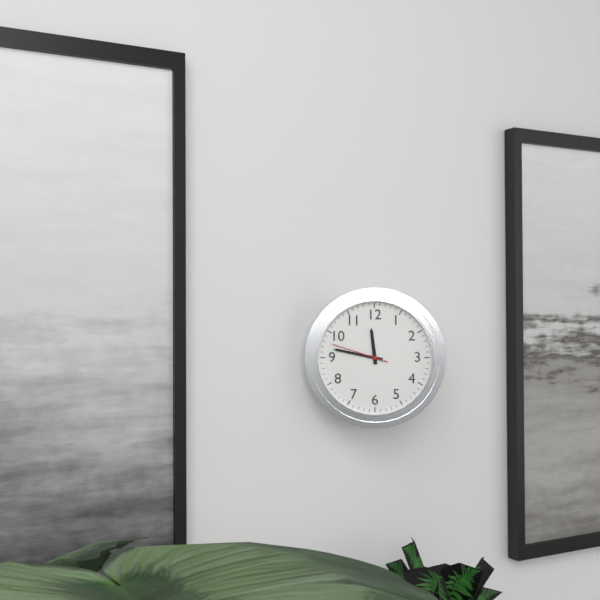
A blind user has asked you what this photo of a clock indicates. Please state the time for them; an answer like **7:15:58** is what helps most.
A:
**11:47:48**
